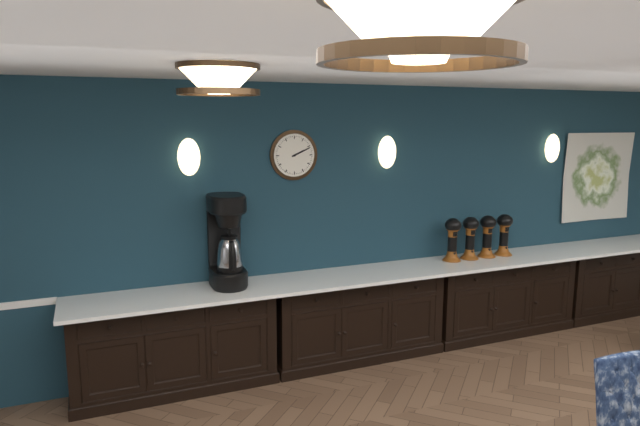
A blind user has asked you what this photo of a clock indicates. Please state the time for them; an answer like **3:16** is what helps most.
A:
**2:11**
